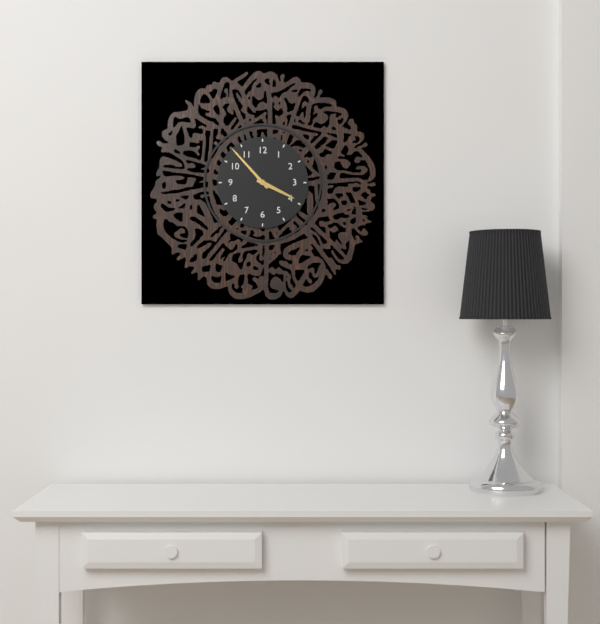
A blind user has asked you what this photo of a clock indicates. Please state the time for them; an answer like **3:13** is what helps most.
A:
**3:53**
